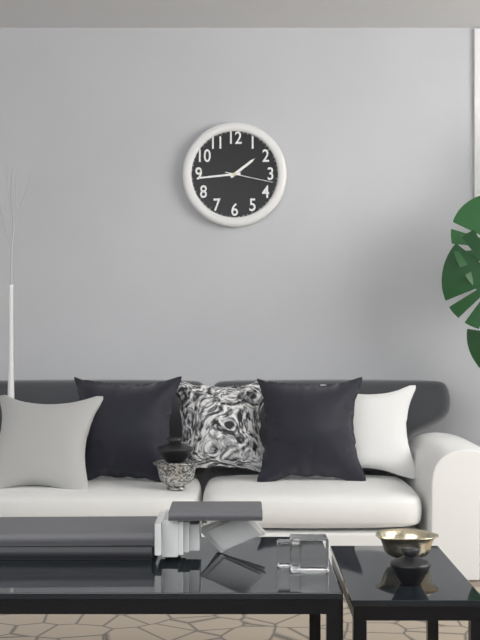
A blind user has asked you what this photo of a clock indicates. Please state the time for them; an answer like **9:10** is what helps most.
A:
**1:44**
